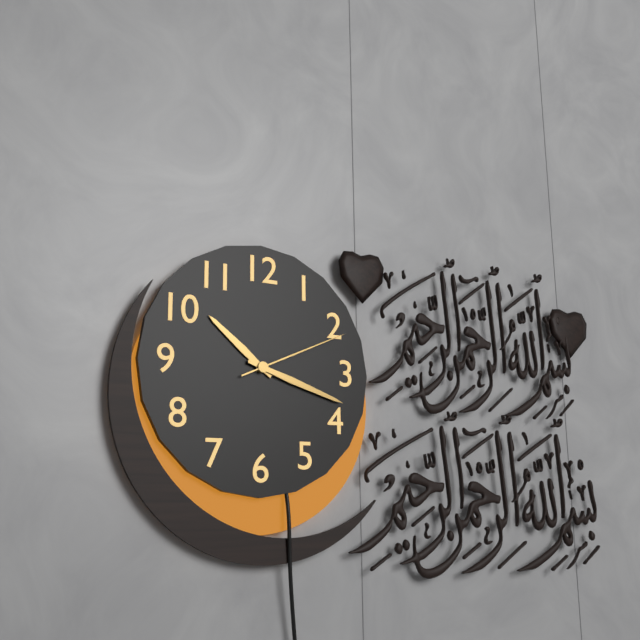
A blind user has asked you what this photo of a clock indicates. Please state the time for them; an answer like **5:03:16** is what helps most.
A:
**10:18:11**
